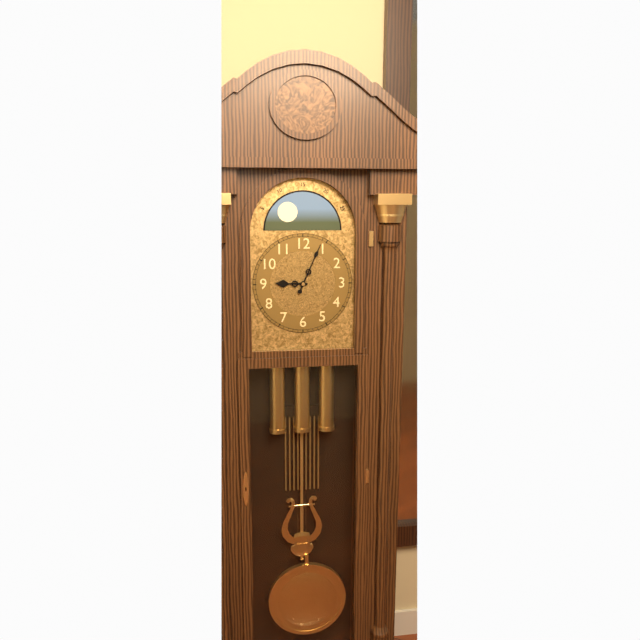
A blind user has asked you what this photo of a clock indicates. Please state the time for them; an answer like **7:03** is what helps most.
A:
**9:04**
